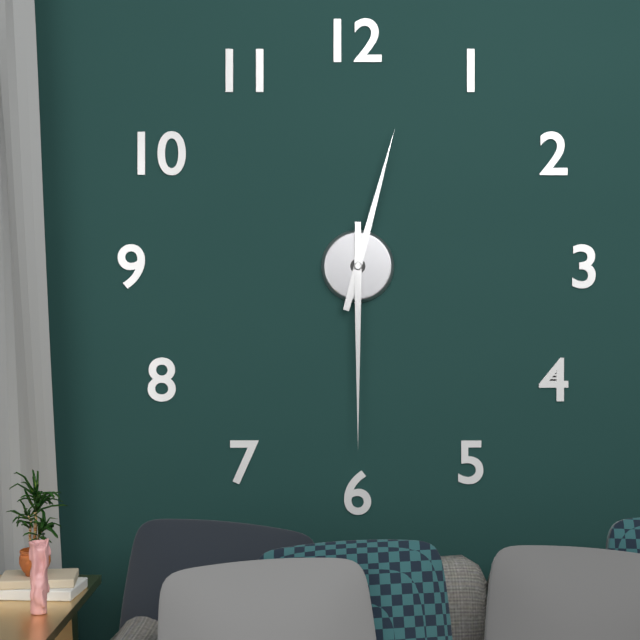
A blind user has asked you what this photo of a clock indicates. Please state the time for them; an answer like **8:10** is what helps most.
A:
**12:30**
